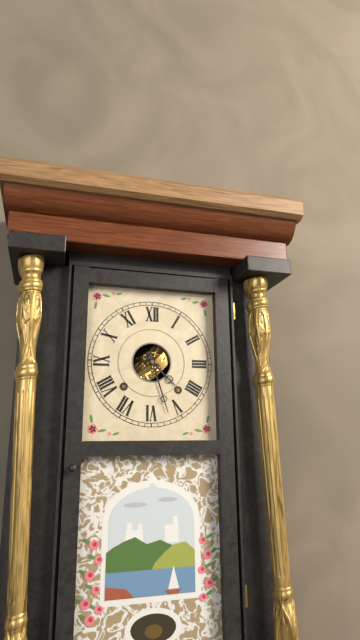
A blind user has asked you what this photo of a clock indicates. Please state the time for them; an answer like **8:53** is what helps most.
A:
**4:27**
